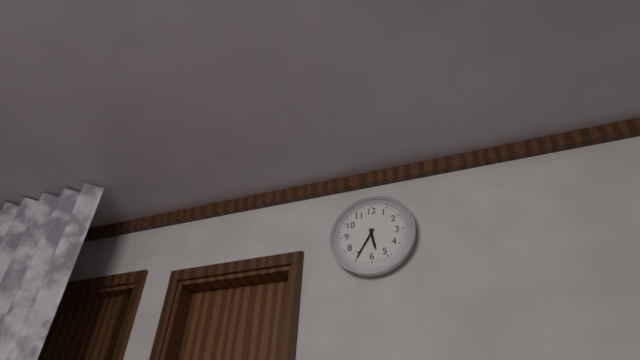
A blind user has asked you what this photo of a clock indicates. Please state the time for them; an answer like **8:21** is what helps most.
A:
**5:35**
